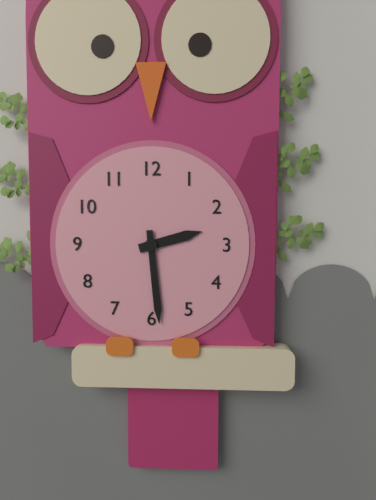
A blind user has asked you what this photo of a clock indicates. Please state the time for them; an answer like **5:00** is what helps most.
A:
**2:29**
